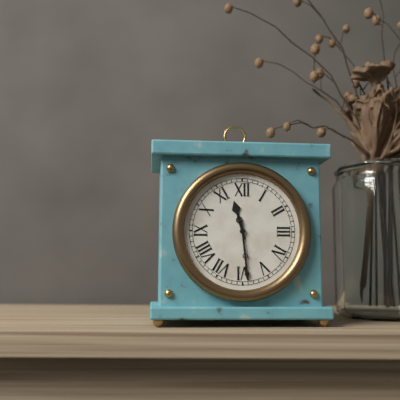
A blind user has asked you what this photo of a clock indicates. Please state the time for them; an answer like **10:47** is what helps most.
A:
**11:29**
